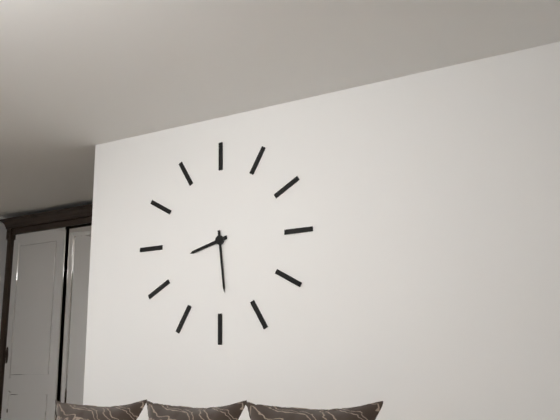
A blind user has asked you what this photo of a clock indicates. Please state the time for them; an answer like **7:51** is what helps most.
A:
**8:29**
